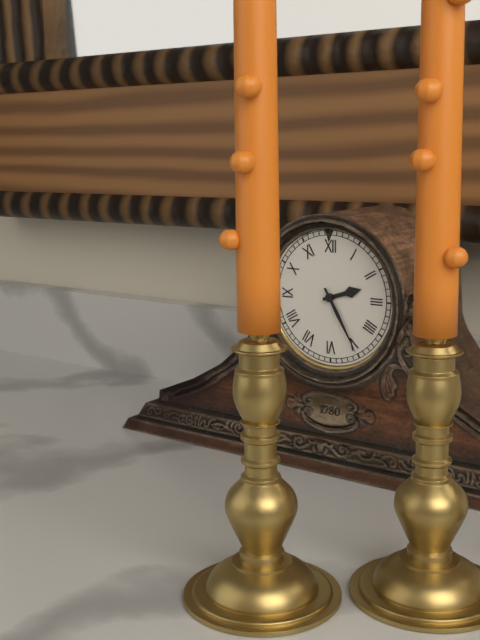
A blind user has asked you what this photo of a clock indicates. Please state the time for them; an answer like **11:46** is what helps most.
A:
**2:25**
